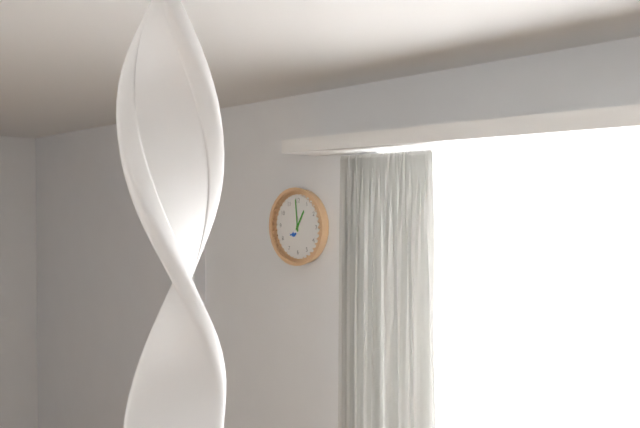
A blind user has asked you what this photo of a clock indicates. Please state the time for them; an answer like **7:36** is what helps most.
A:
**12:59**
